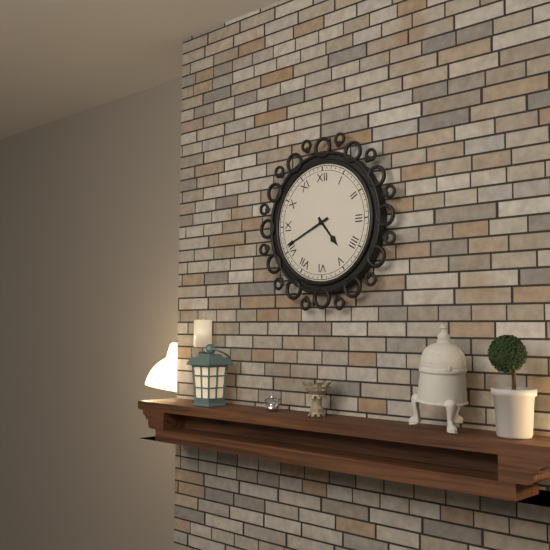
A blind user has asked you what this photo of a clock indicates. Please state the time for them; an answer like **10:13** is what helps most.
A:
**4:41**
